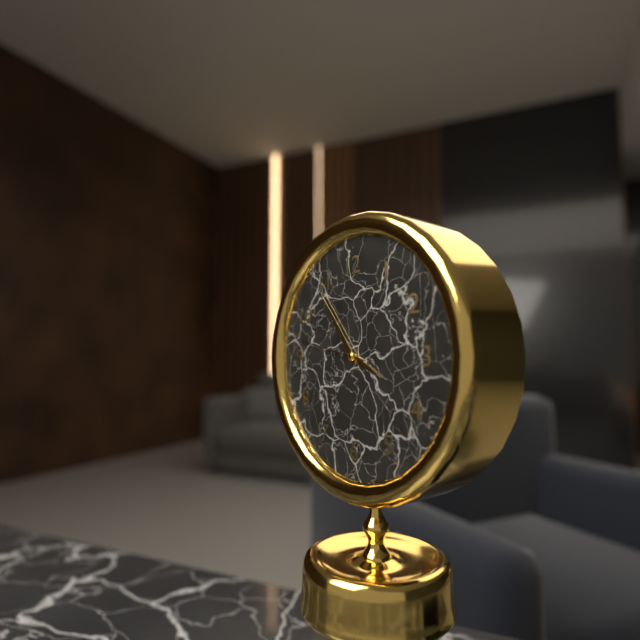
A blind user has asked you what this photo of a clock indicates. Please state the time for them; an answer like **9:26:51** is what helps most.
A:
**3:54:47**
